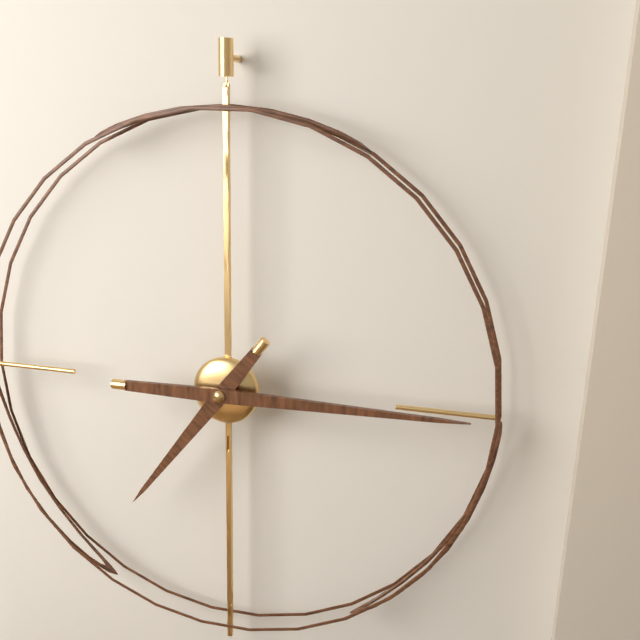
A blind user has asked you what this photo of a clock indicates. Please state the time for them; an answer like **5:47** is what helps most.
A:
**7:15**
